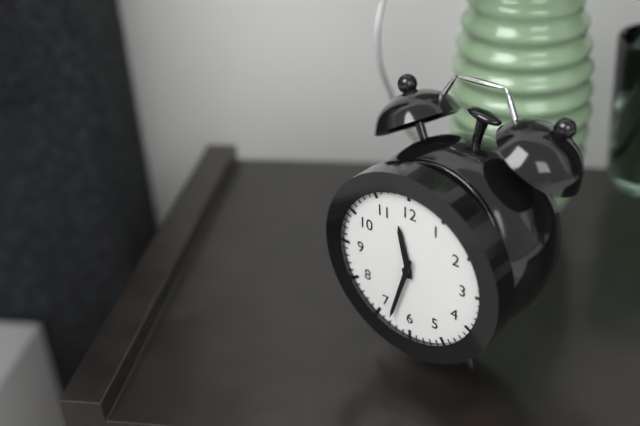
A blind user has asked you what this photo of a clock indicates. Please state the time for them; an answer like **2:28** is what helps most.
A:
**11:33**
